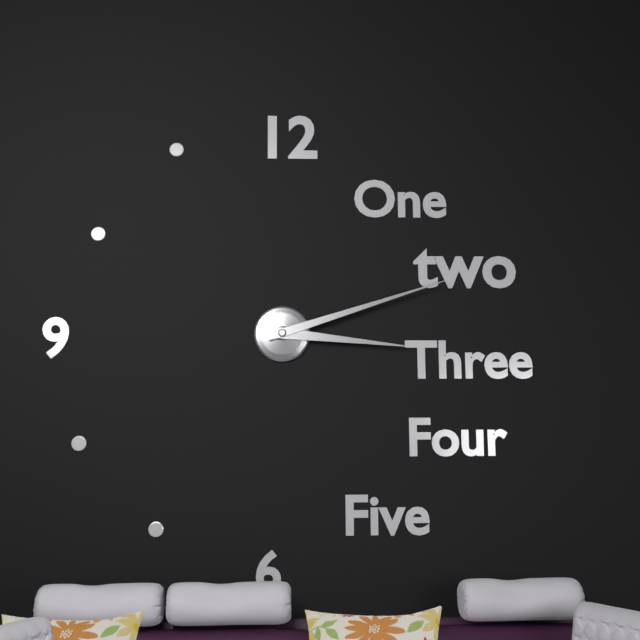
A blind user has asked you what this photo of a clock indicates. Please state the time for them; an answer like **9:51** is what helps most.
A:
**3:12**
